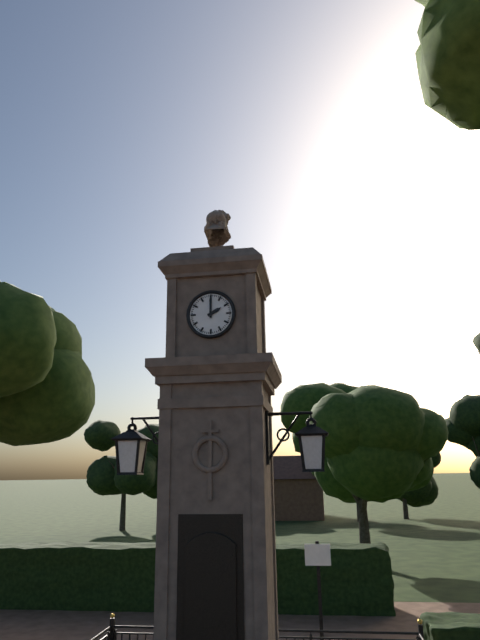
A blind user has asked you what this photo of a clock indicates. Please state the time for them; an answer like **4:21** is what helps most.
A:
**2:00**
